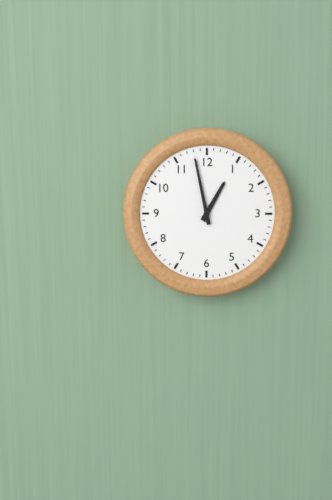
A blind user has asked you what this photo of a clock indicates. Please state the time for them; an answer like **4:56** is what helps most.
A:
**12:58**
